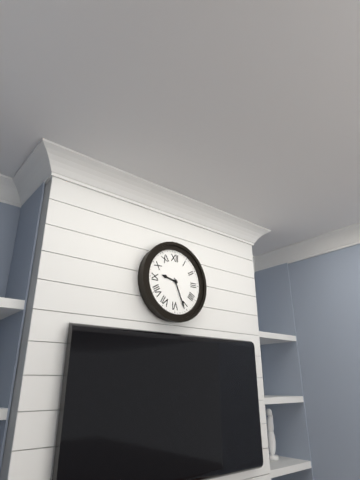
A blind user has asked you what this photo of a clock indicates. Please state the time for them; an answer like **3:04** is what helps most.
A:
**9:26**
